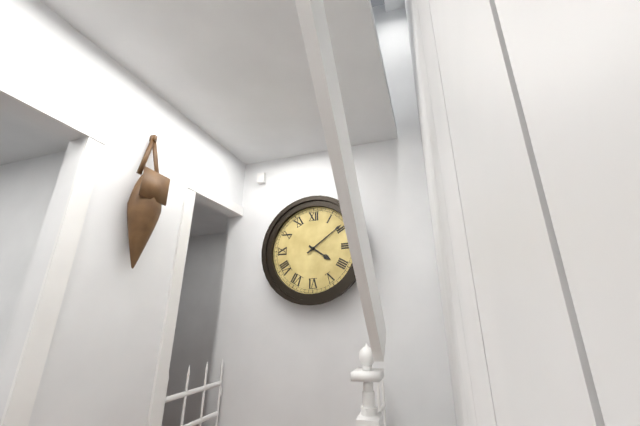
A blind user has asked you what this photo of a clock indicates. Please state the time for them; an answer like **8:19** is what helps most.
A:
**4:09**
